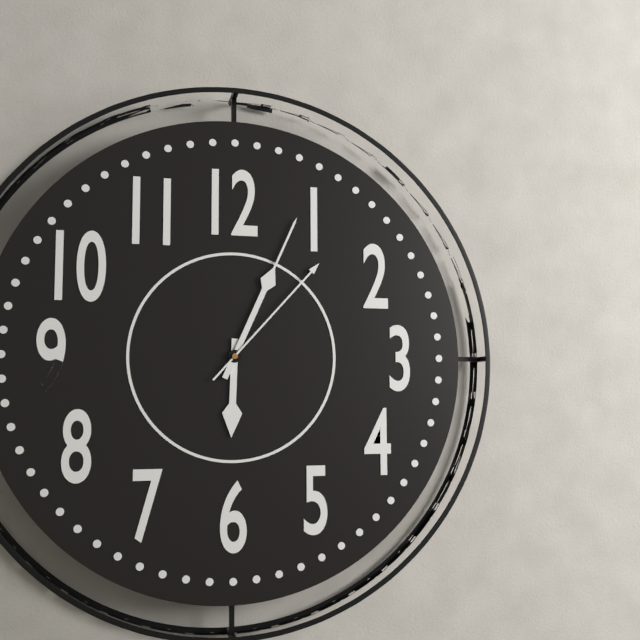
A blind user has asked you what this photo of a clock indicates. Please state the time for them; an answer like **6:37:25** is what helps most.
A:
**6:04:07**
